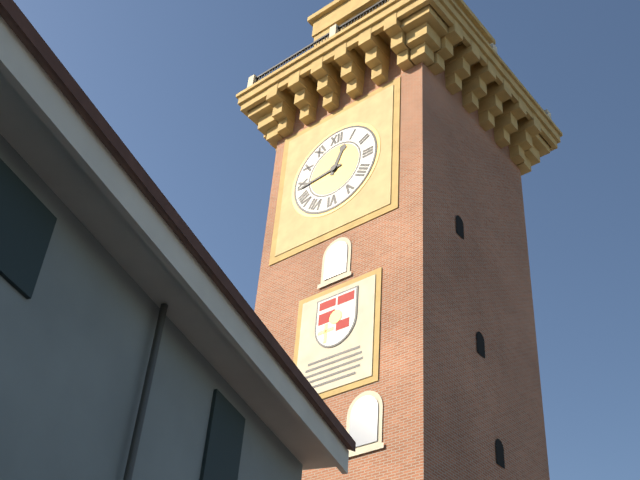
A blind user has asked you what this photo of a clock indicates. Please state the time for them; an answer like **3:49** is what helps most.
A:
**12:44**
